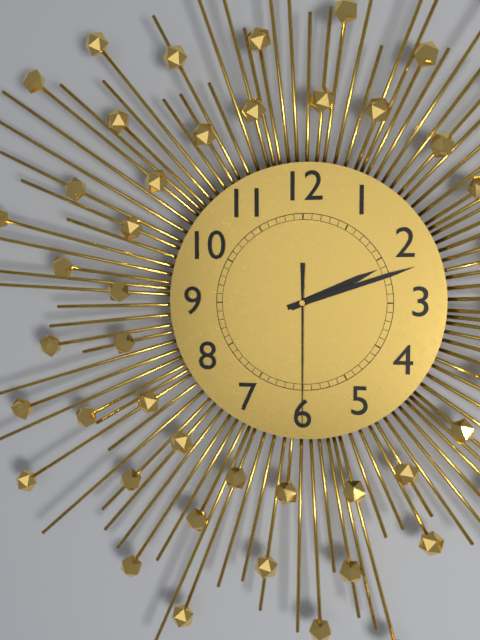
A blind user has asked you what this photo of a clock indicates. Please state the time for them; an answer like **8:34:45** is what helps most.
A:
**2:12:30**
